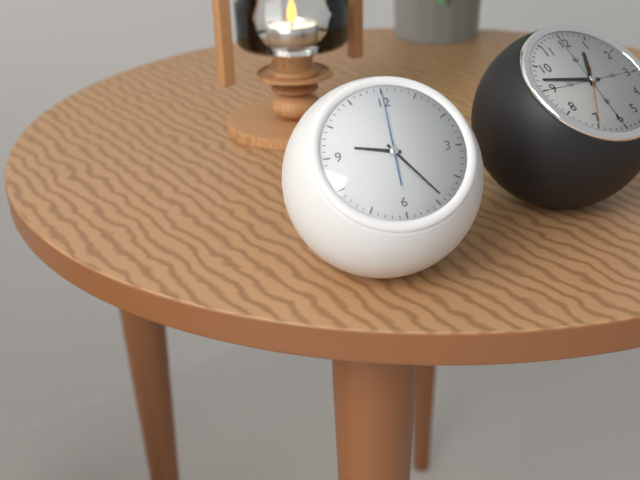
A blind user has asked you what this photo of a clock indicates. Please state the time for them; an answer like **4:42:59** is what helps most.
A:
**9:24:00**
